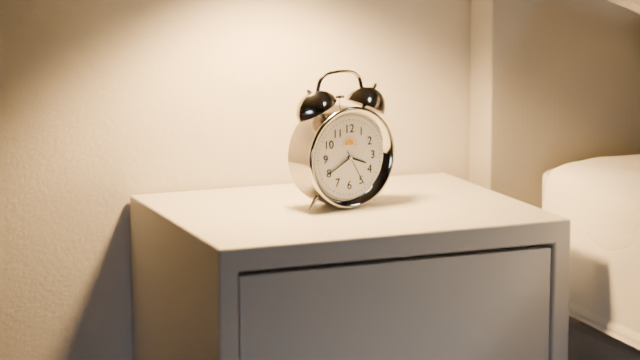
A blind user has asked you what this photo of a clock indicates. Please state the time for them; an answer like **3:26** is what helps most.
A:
**3:40**
